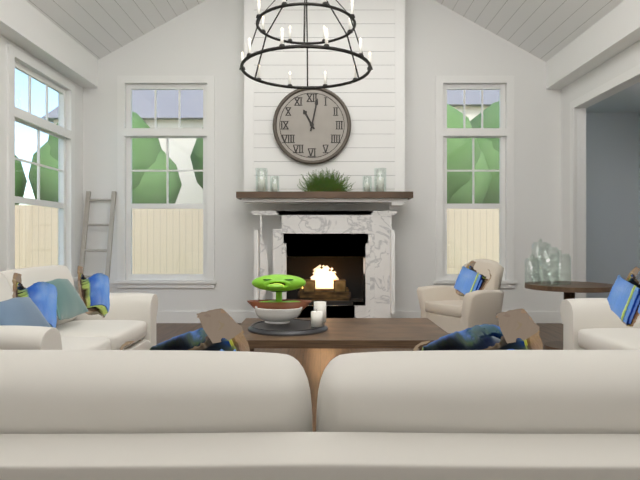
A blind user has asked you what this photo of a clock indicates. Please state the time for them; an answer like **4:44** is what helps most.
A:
**11:02**
